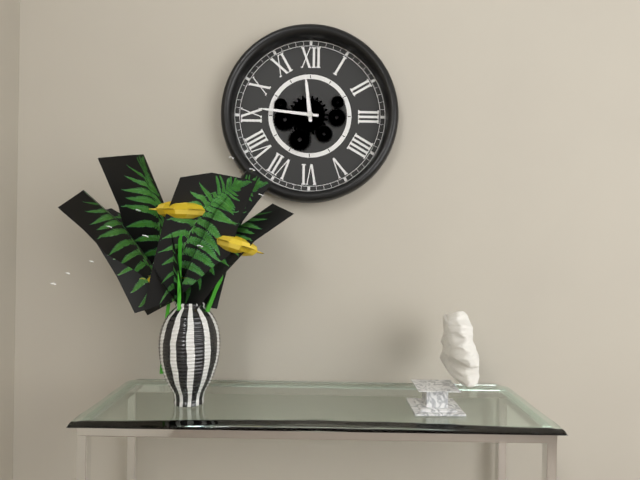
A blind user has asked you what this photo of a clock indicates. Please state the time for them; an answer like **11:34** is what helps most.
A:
**11:46**
